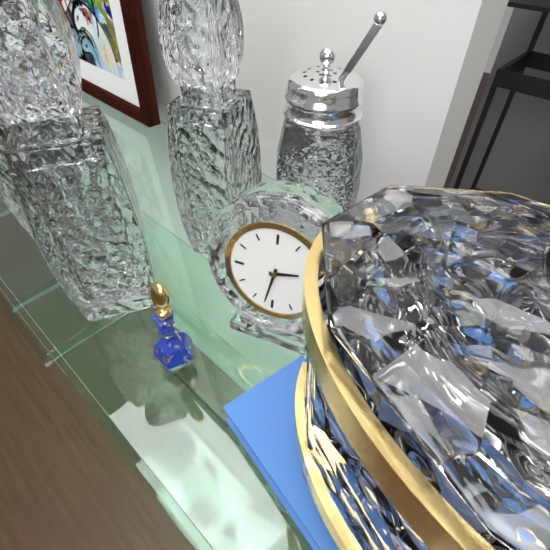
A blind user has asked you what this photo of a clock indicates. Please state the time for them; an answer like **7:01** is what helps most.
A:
**2:32**
